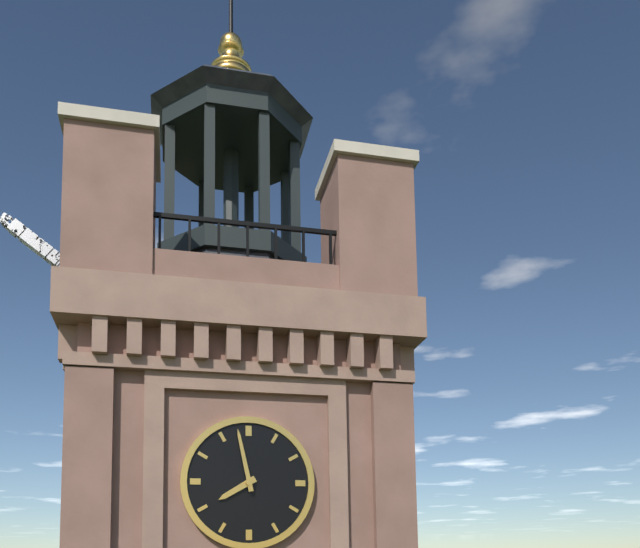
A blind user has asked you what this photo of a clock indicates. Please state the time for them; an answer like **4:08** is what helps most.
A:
**7:58**
